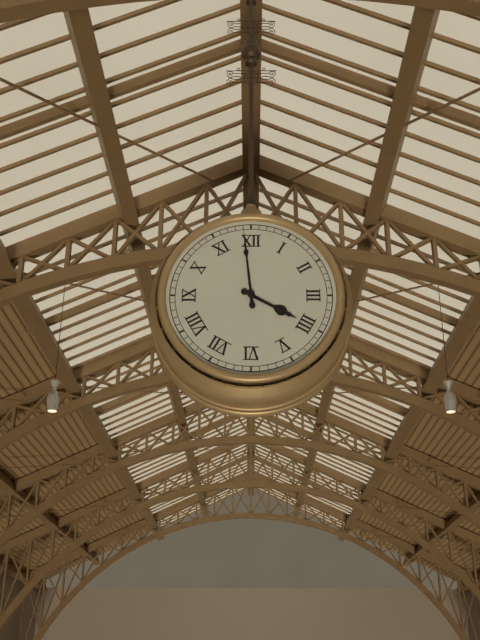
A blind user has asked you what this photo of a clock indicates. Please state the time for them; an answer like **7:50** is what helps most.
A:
**3:59**
